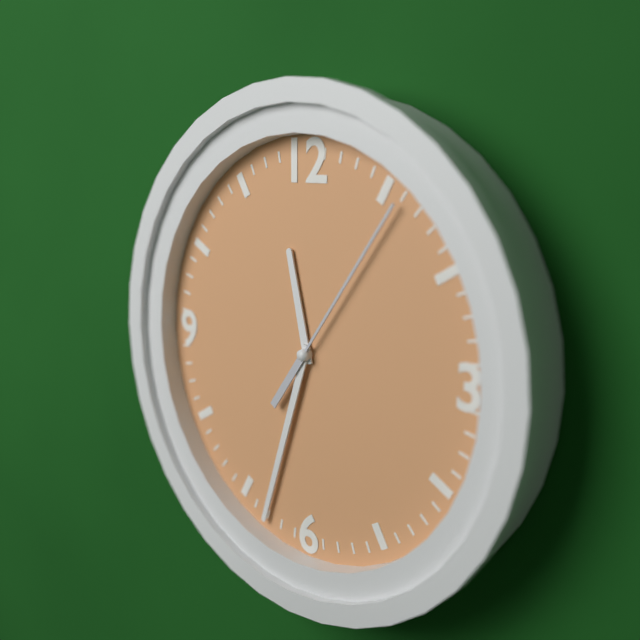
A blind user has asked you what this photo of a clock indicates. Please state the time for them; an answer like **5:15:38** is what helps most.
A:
**11:33:06**
